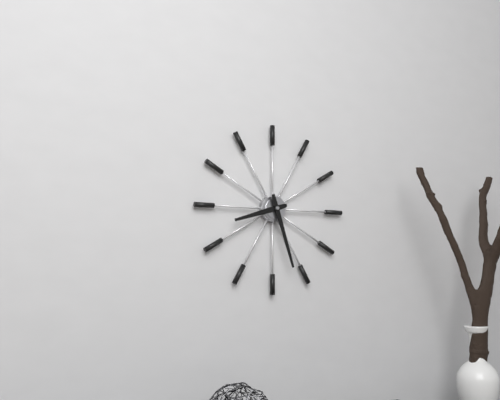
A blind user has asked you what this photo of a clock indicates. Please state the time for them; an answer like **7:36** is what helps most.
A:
**8:27**
